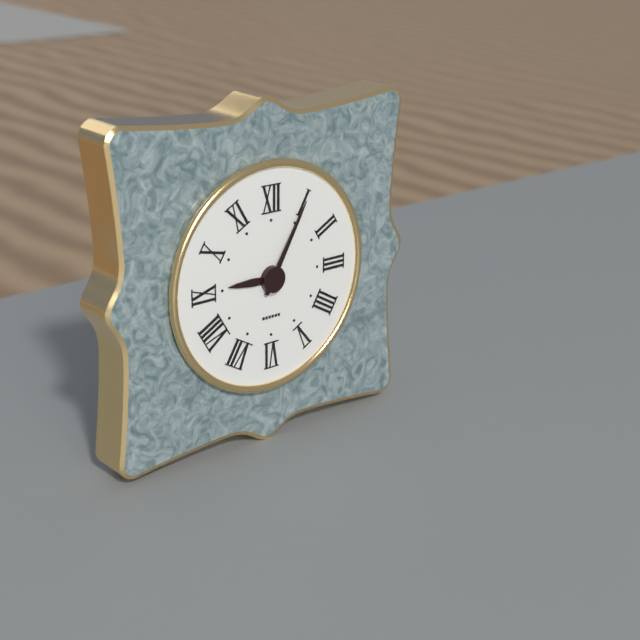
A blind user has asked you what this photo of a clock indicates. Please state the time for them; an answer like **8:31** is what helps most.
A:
**9:05**
